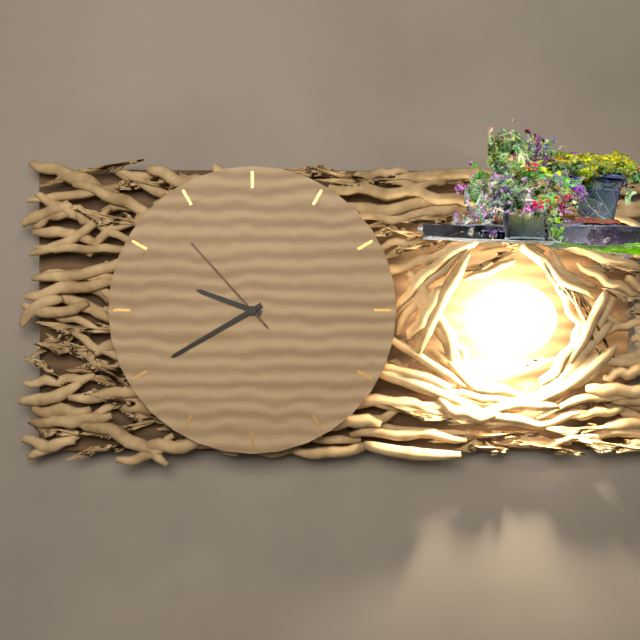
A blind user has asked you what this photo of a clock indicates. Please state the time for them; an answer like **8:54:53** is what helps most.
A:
**9:40:53**
